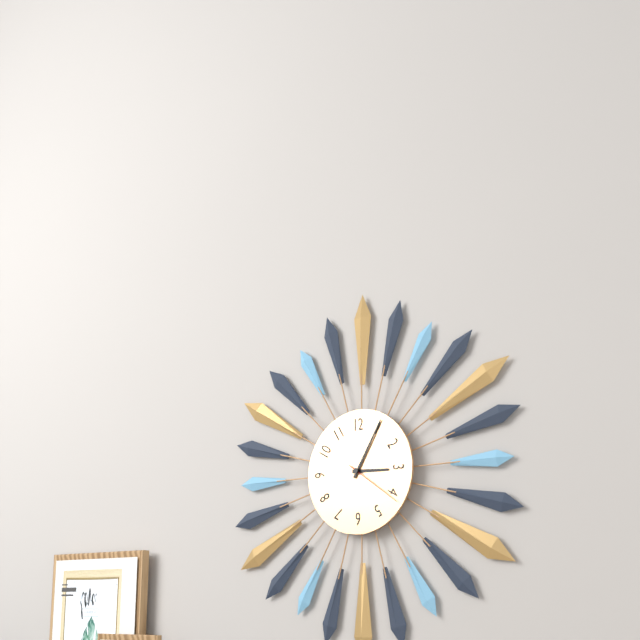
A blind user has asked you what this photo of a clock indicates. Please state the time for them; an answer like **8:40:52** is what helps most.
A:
**3:05:21**
